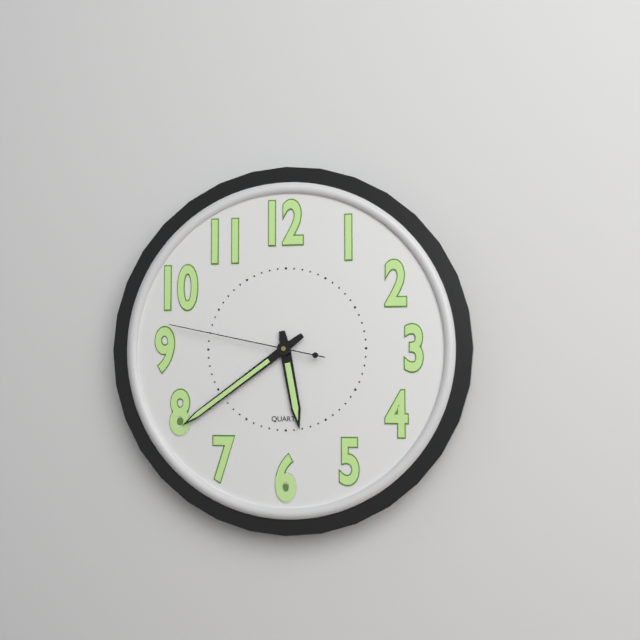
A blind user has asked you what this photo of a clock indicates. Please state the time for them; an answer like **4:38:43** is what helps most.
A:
**5:39:47**
